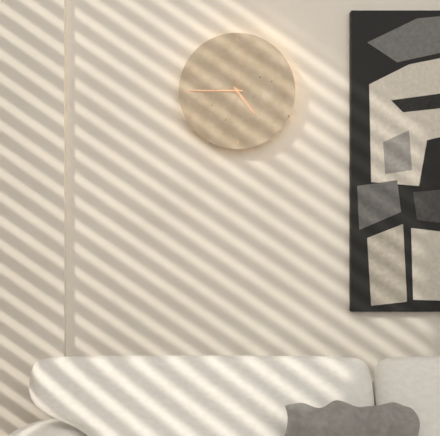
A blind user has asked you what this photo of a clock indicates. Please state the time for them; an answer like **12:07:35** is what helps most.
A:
**4:45:02**
